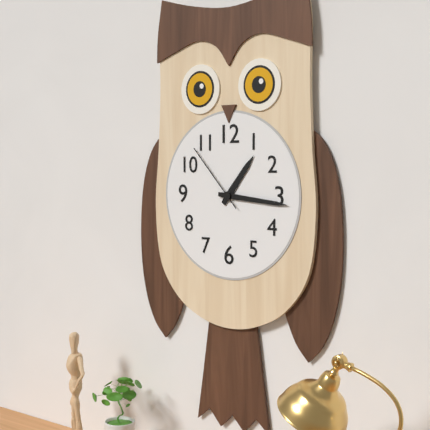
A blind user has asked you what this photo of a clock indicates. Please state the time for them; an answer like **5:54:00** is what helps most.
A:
**1:16:53**
